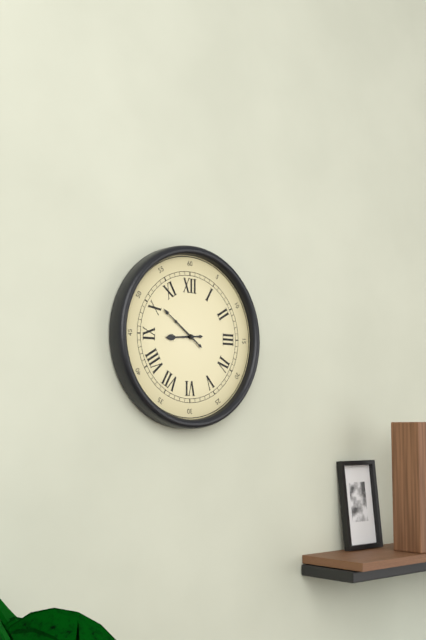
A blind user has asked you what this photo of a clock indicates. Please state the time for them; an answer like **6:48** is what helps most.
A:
**8:51**
